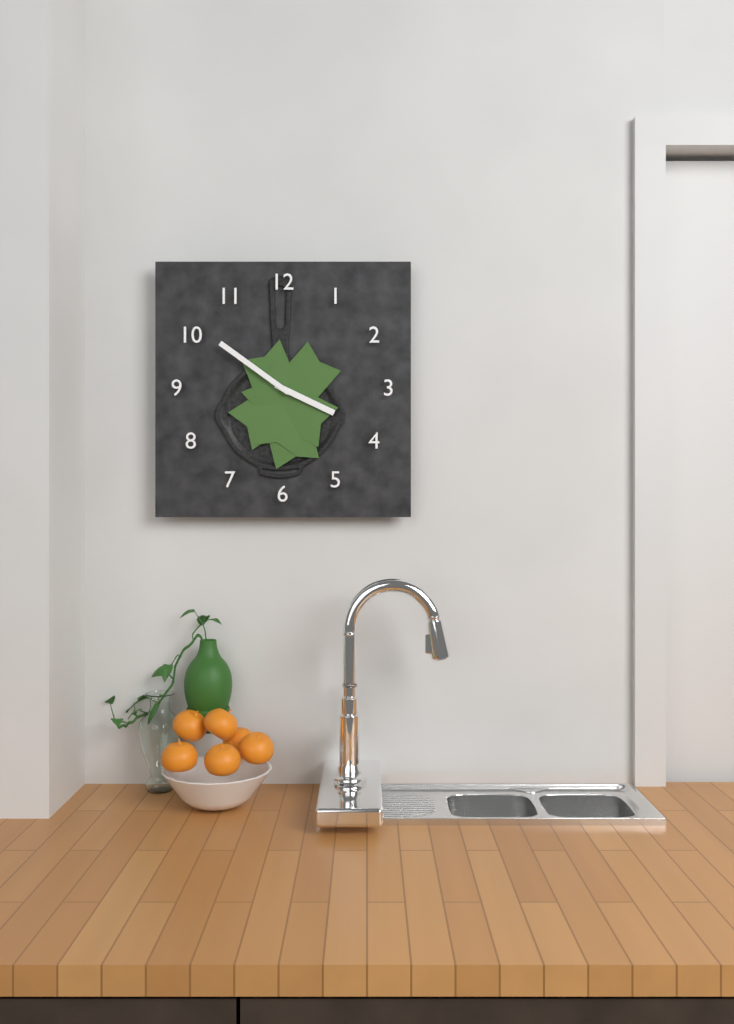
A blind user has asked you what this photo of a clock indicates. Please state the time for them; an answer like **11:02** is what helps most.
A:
**3:51**
